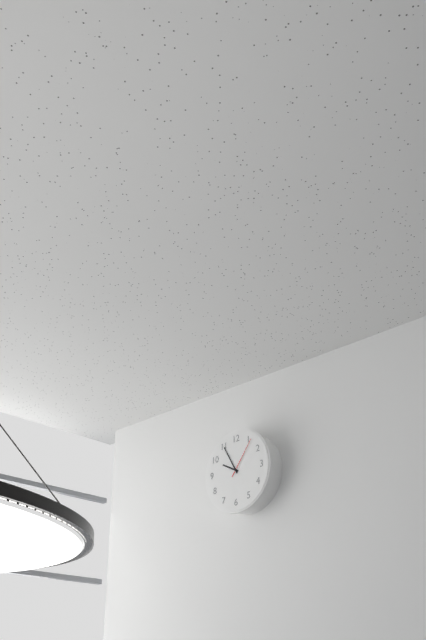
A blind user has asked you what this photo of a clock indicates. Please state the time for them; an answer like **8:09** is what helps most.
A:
**9:55**
